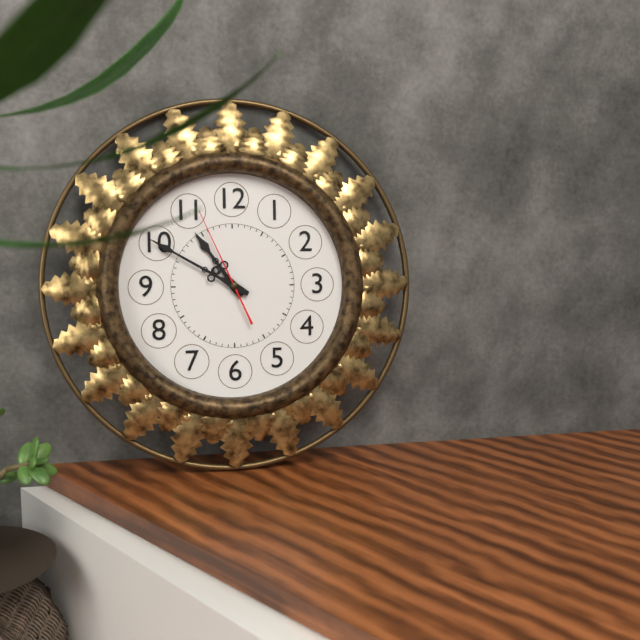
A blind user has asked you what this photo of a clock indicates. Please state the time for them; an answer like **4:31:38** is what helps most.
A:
**10:50:56**
